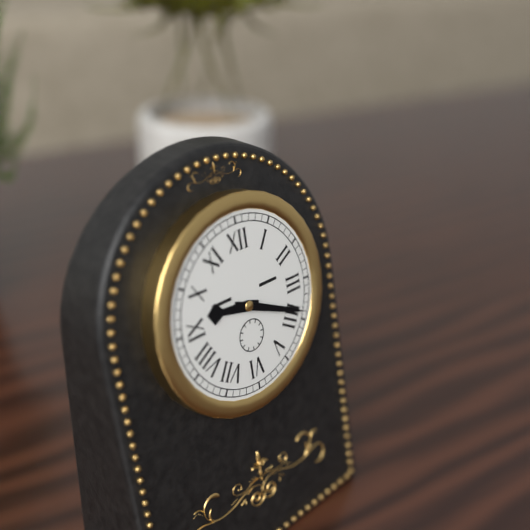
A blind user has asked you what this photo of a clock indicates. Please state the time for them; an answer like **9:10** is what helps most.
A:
**9:19**
